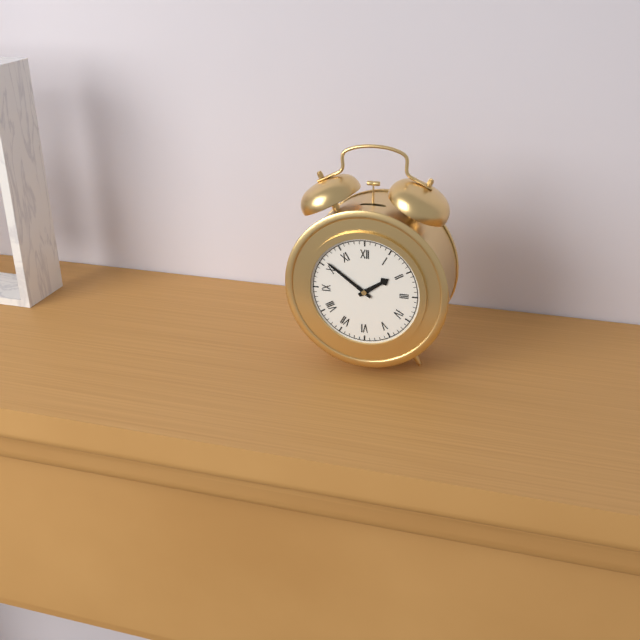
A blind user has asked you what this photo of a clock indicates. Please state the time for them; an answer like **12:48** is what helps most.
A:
**1:51**
